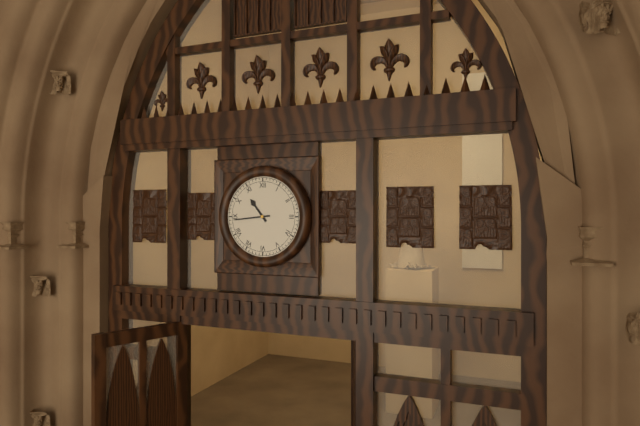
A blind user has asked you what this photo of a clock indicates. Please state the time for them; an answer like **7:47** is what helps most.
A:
**10:44**
